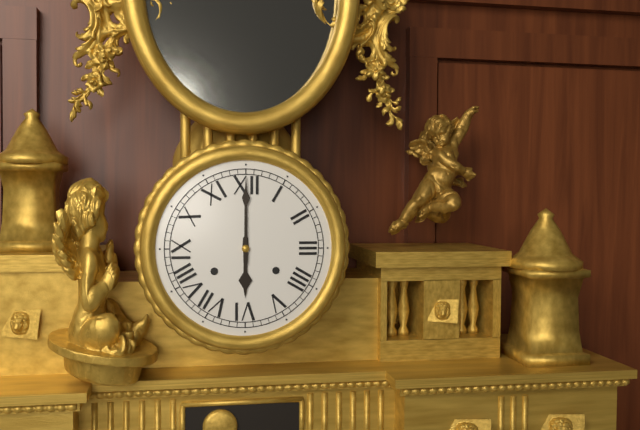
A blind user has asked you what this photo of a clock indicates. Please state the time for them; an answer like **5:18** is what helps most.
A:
**6:00**
